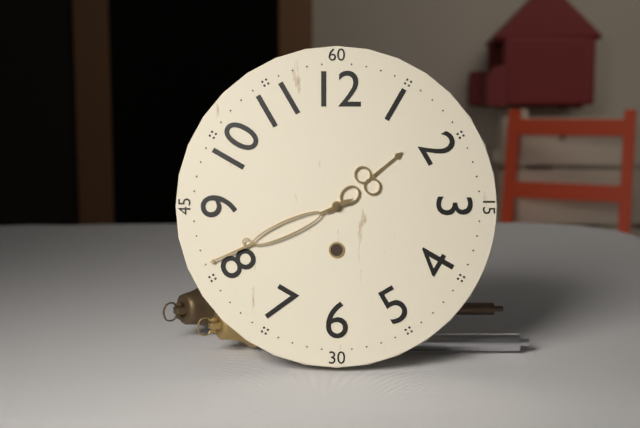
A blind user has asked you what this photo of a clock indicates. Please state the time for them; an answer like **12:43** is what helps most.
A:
**1:41**
